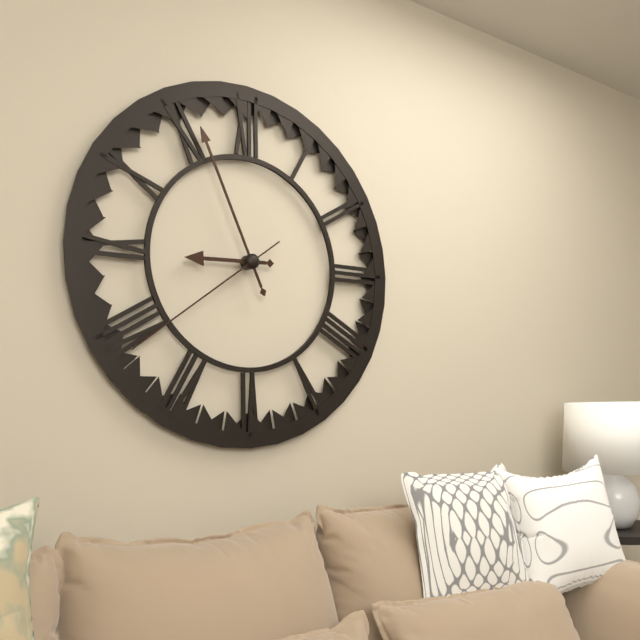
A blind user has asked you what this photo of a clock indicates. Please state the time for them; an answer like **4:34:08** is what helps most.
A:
**8:56:39**
